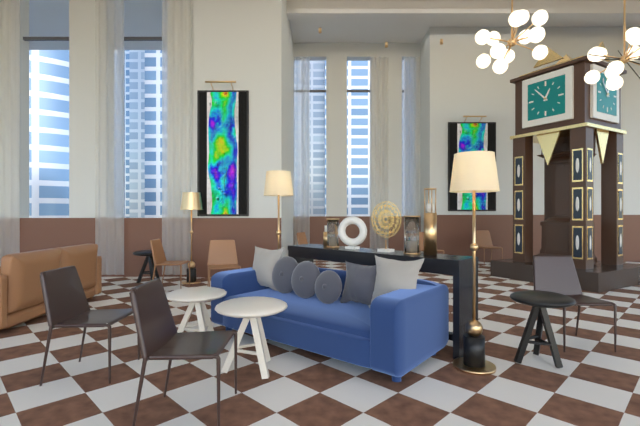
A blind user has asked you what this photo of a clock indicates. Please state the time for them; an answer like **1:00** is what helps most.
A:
**12:53**
